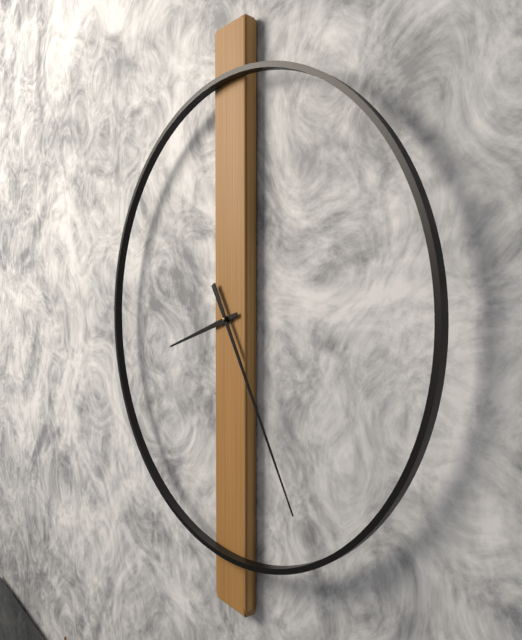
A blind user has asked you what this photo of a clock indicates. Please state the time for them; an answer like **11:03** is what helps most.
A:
**8:25**
